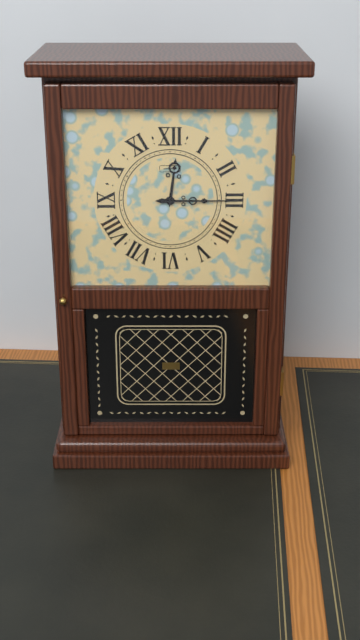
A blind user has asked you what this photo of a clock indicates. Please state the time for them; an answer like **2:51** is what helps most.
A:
**12:15**
